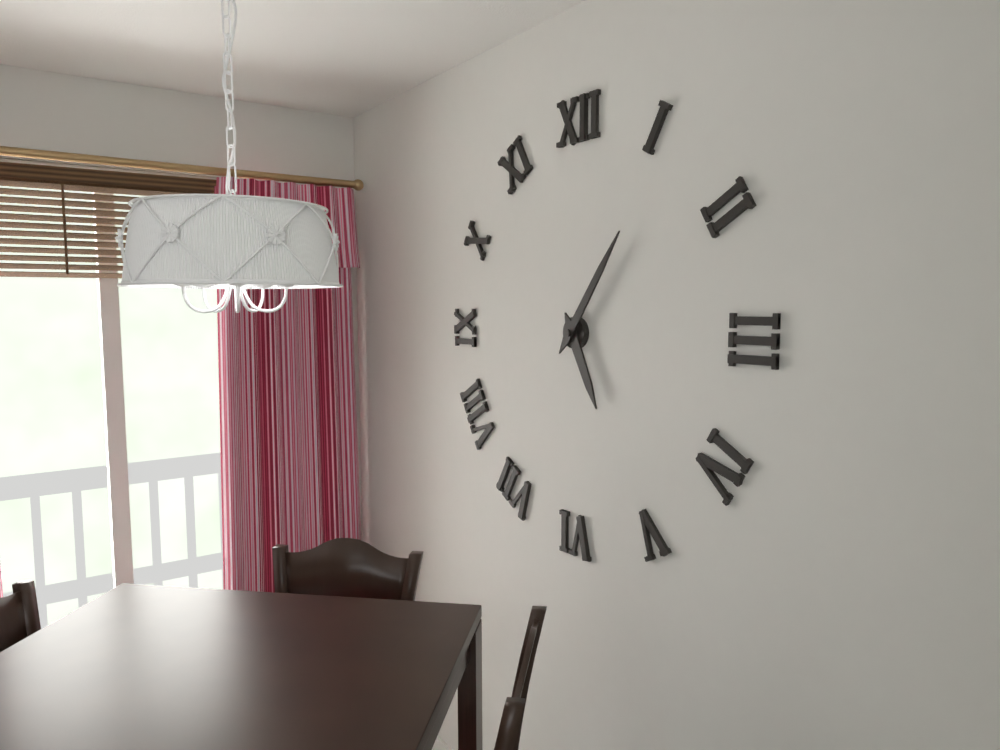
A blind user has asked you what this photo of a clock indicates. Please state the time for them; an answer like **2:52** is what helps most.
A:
**5:06**
